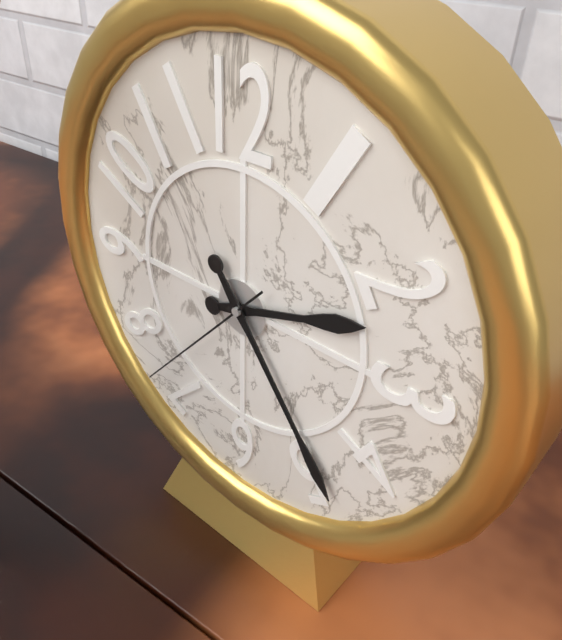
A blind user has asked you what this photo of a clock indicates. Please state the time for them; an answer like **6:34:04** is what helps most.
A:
**2:24:37**
